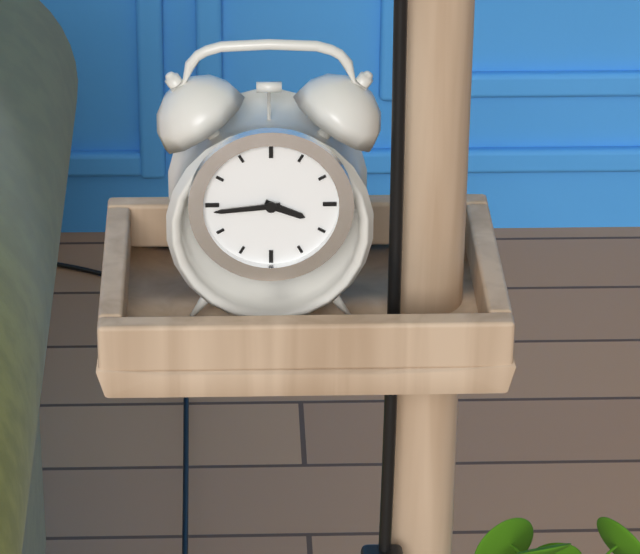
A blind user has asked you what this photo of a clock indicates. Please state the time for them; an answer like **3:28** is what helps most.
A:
**3:44**
